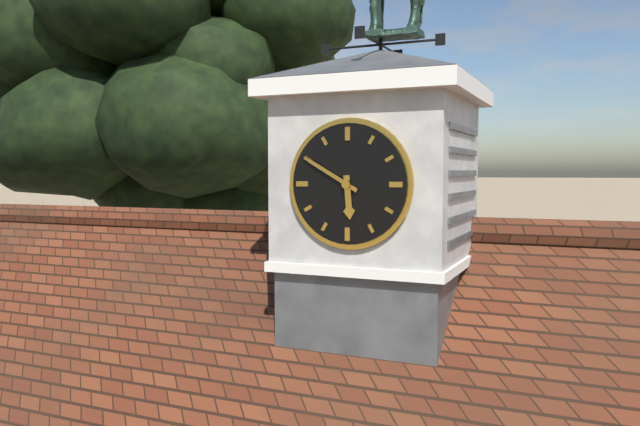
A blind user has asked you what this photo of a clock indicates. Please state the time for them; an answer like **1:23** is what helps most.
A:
**5:50**
